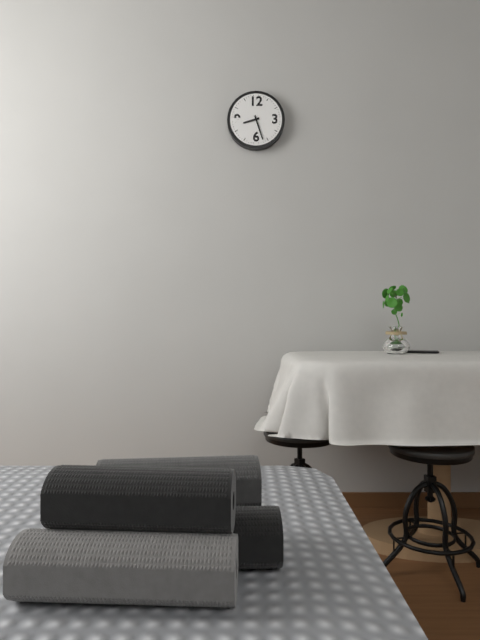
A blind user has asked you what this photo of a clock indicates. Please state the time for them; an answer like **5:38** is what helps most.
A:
**8:27**
